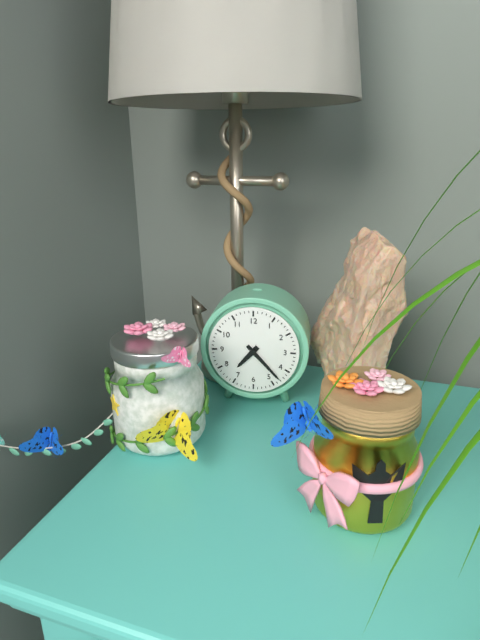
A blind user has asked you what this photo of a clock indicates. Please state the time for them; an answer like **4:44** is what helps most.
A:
**7:23**
